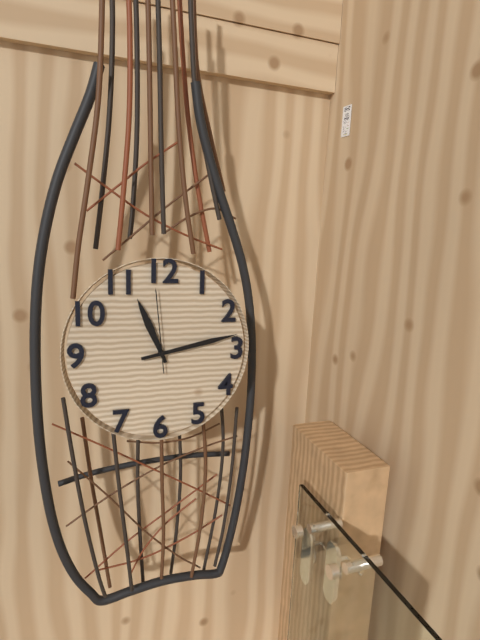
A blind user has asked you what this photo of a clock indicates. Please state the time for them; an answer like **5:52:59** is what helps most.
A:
**11:13:59**
